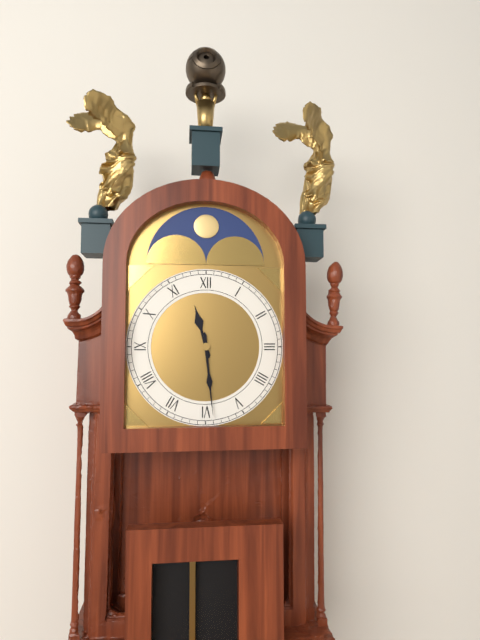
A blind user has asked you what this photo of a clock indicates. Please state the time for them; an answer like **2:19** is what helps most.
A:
**11:29**
